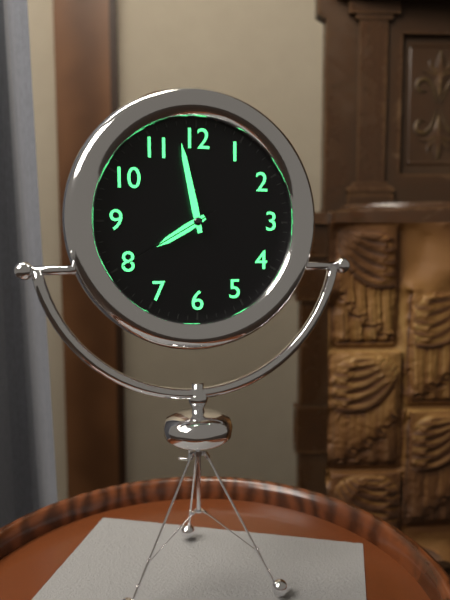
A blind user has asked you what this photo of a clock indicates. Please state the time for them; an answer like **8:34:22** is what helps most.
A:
**7:58:40**
